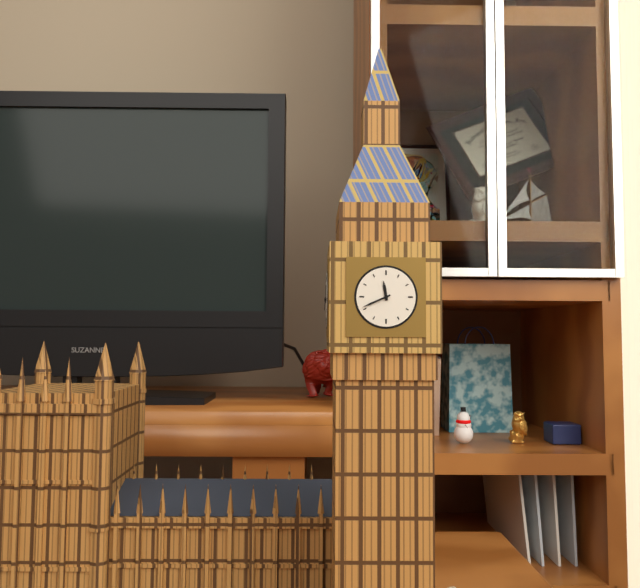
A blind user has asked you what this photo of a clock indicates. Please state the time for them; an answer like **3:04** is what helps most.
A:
**11:41**
